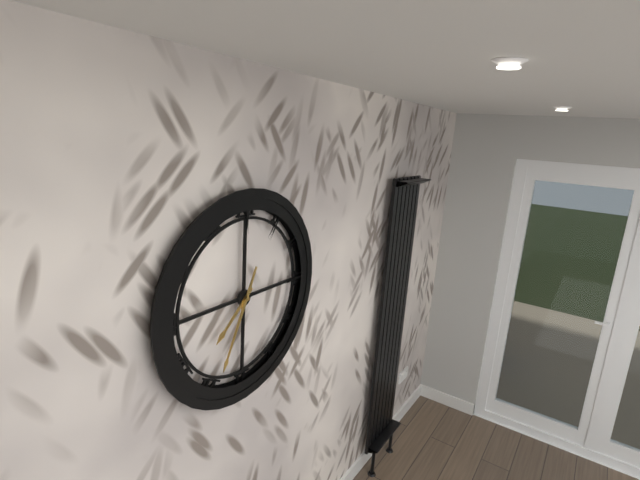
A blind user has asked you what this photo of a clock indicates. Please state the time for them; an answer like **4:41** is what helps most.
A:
**7:34**
